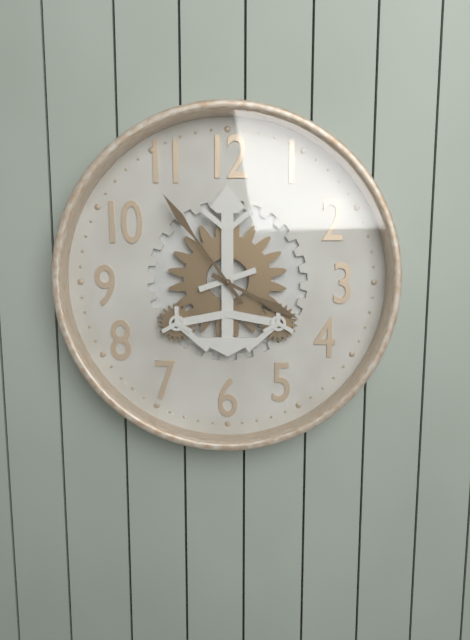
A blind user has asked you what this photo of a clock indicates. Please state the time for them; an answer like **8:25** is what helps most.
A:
**3:54**
